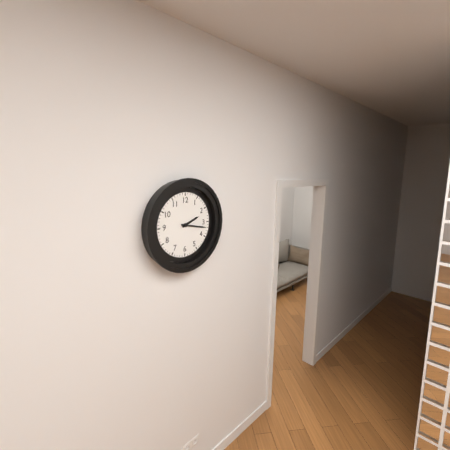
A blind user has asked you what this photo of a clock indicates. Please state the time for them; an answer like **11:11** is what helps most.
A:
**2:17**
